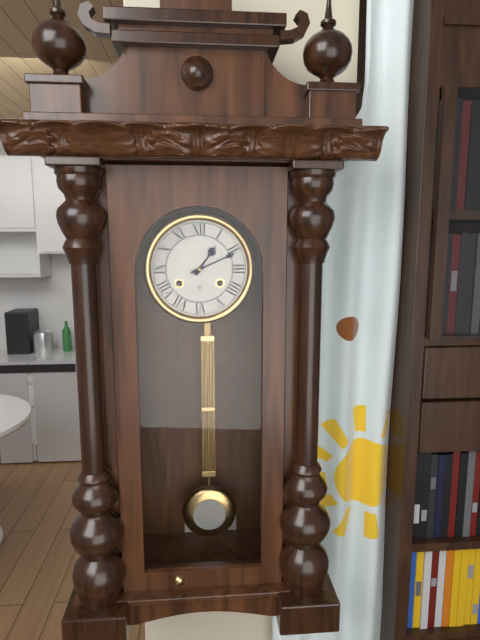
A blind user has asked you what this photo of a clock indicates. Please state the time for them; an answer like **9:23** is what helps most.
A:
**1:11**
